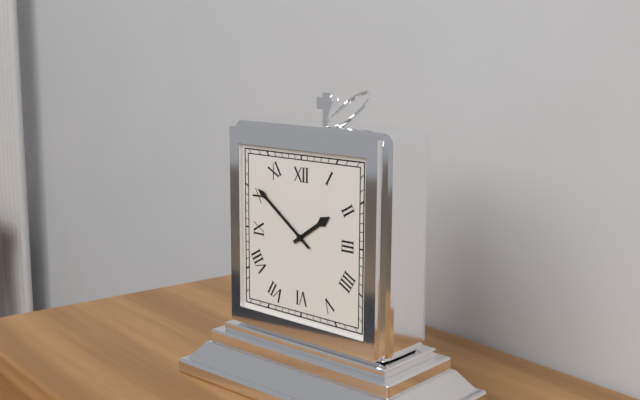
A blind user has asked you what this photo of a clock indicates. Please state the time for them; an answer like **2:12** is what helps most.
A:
**1:51**
